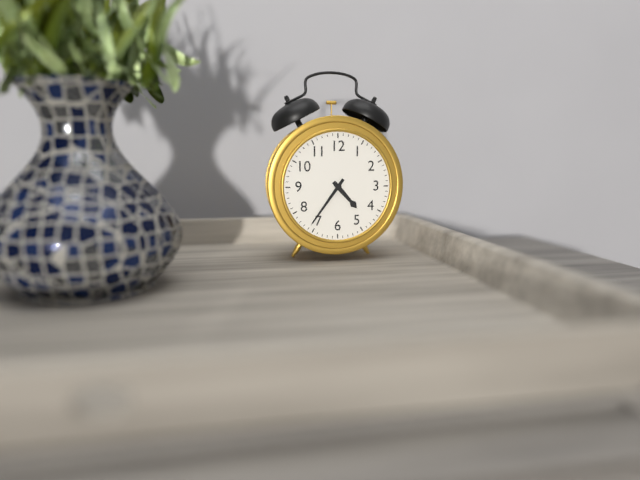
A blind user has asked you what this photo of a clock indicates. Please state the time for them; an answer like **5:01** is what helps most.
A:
**4:36**
